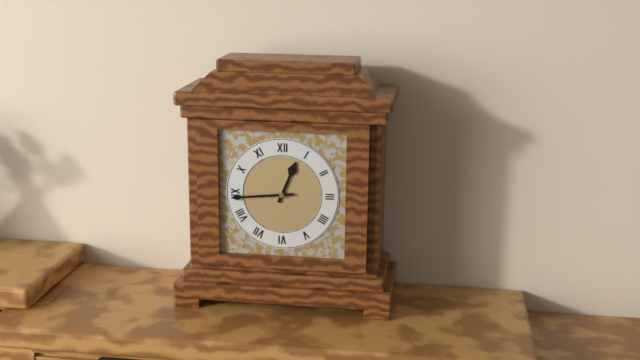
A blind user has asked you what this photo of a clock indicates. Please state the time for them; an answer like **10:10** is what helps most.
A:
**12:44**
